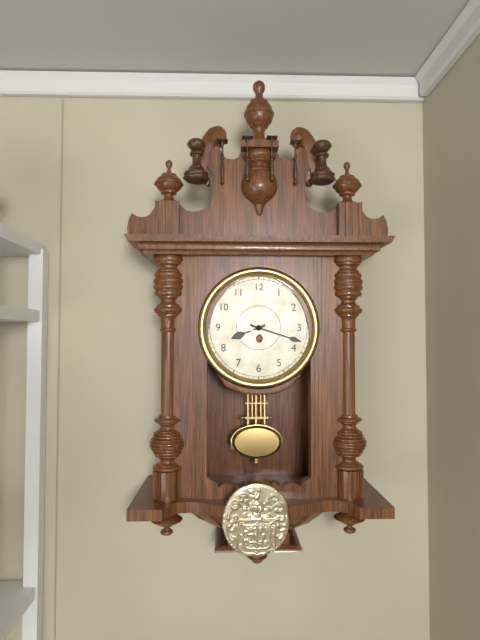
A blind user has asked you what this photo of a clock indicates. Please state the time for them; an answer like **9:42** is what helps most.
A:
**8:18**
